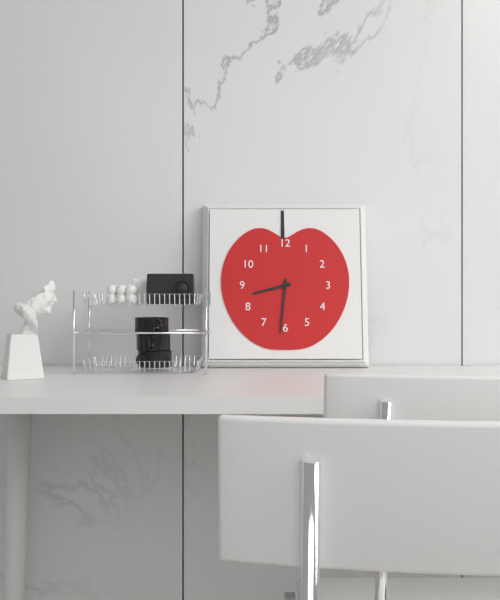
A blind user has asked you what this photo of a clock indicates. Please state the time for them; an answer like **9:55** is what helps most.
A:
**8:31**
